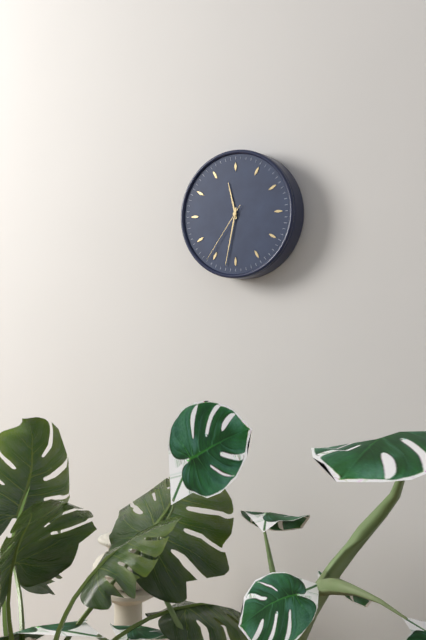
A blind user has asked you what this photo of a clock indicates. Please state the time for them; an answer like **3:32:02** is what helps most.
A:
**11:32:36**
